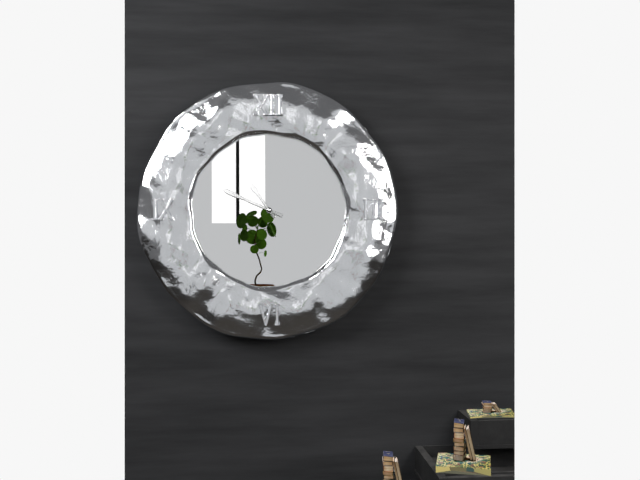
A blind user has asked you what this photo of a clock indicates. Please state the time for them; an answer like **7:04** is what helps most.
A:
**10:49**
